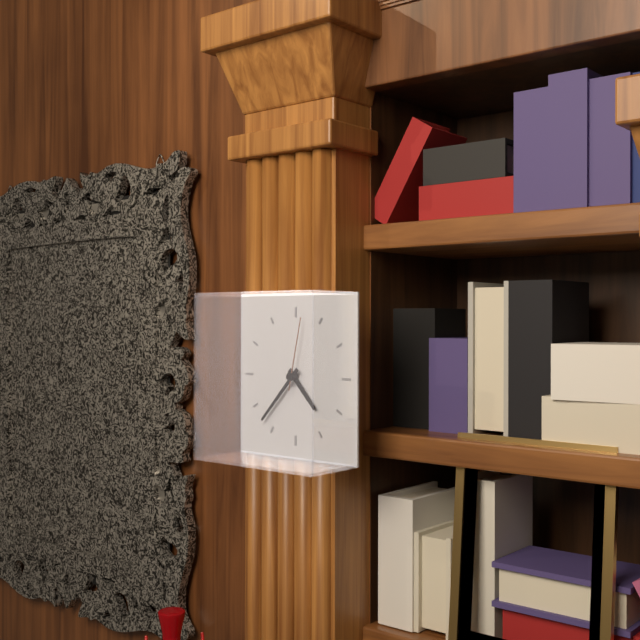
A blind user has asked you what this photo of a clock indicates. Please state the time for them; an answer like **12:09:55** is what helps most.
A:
**4:37:02**
